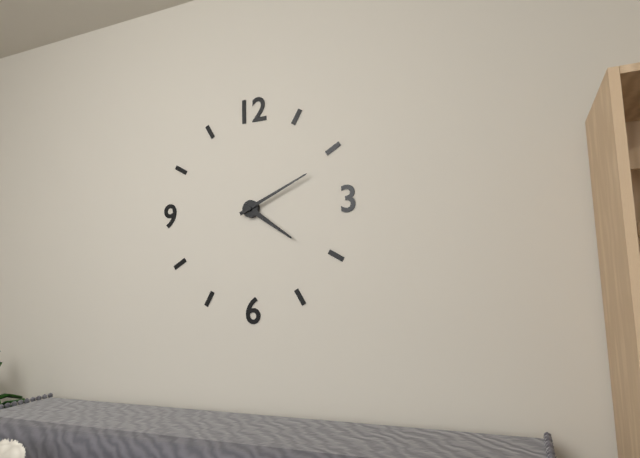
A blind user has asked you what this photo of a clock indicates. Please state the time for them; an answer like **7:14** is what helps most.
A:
**4:11**
